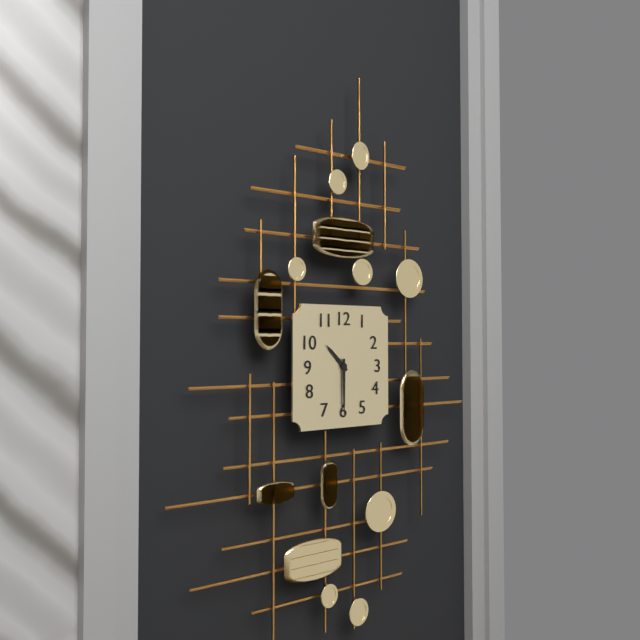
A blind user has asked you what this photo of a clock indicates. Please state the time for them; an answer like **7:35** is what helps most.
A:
**10:30**
